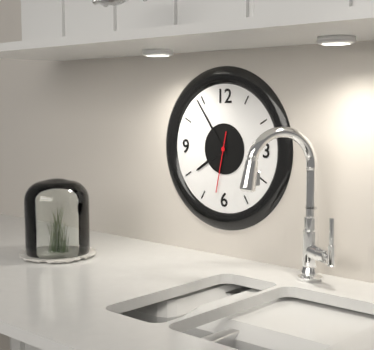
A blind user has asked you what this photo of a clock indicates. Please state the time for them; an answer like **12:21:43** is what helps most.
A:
**7:54:32**
